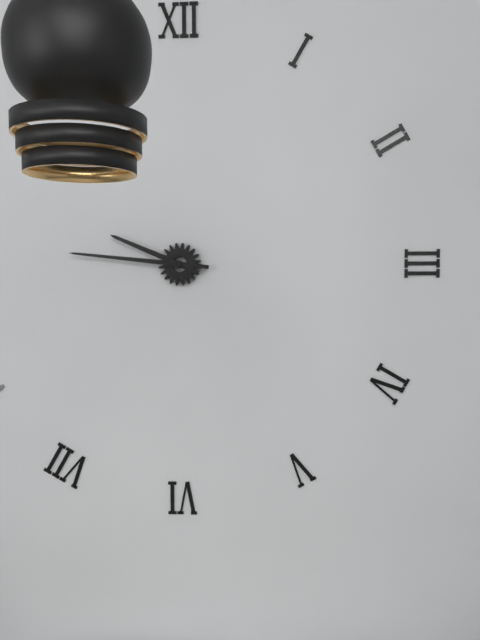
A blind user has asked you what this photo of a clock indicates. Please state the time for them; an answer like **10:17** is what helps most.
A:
**9:46**
